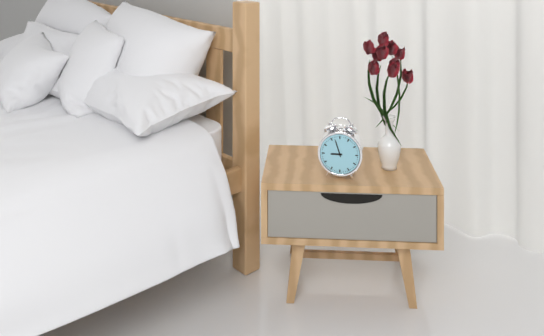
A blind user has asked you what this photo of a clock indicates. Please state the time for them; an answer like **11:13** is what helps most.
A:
**8:57**
